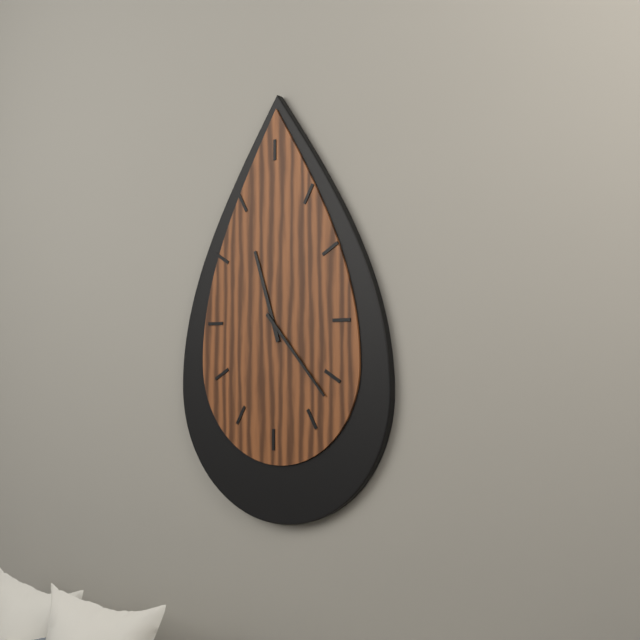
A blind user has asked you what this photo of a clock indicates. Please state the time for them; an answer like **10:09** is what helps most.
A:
**11:23**
